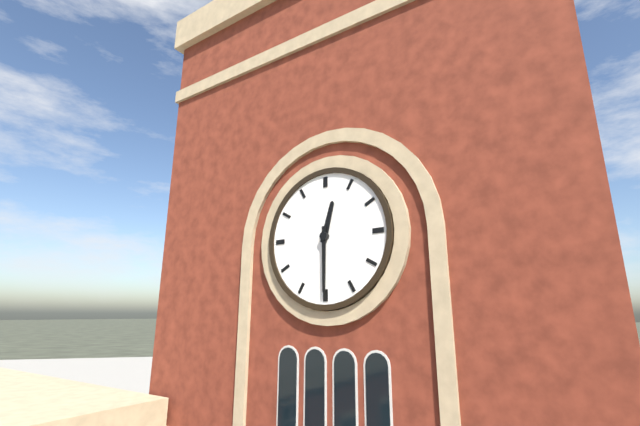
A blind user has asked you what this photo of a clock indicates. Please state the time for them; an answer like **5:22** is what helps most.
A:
**12:30**
